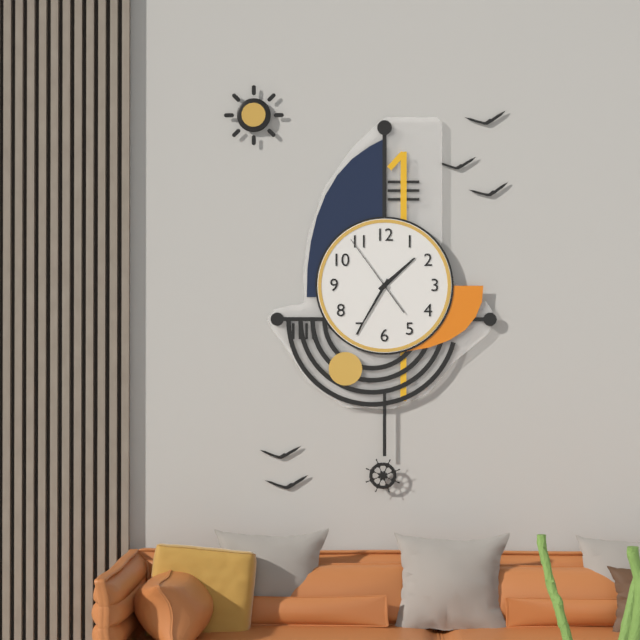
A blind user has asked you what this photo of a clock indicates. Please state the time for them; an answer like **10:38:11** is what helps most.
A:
**1:35:54**
